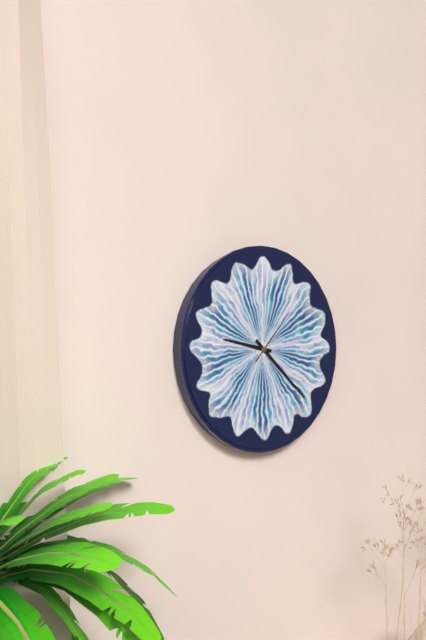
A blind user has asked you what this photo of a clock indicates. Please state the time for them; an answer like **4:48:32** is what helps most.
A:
**9:22:07**
